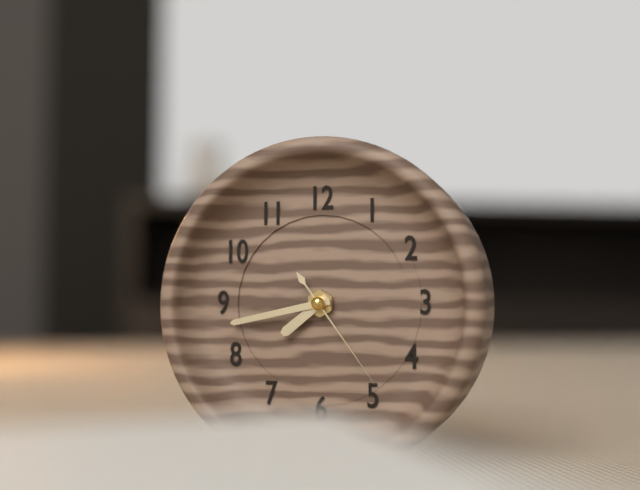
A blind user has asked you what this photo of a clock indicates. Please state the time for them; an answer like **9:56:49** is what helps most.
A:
**7:43:24**
